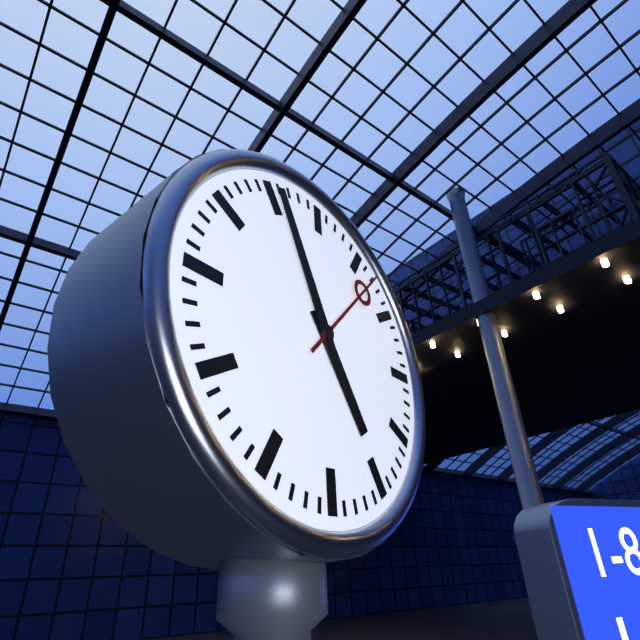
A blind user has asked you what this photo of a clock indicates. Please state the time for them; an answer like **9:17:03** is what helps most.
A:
**4:56:07**
